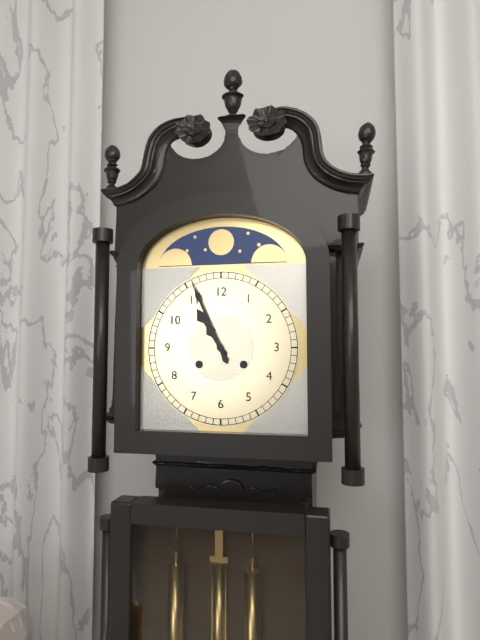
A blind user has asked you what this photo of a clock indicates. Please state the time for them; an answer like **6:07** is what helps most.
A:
**10:56**
